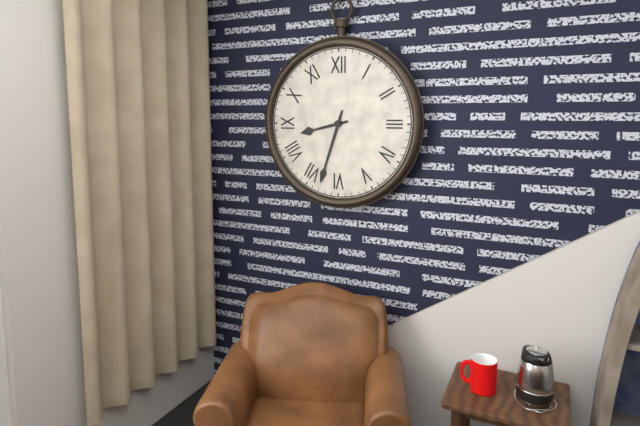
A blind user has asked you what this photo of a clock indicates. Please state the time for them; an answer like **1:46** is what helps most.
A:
**8:33**
